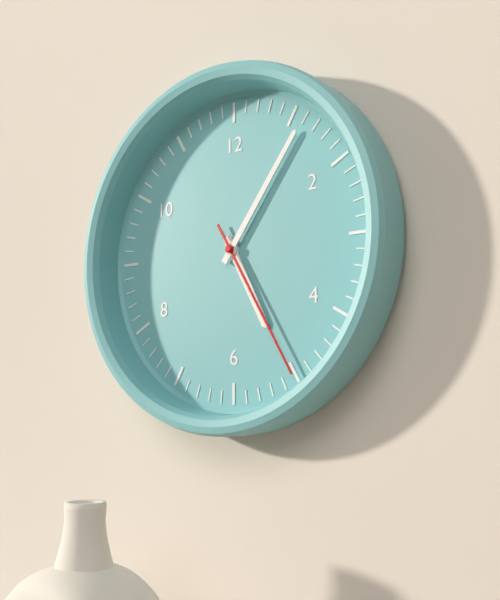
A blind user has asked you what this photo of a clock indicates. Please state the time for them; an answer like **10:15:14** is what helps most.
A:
**5:06:25**
